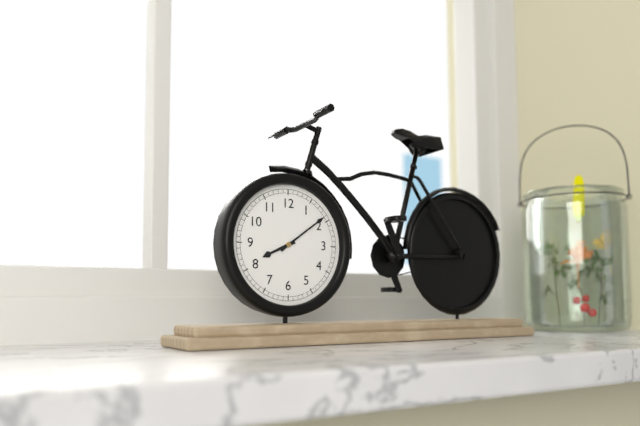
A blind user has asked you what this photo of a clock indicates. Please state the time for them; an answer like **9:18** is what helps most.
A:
**8:09**
